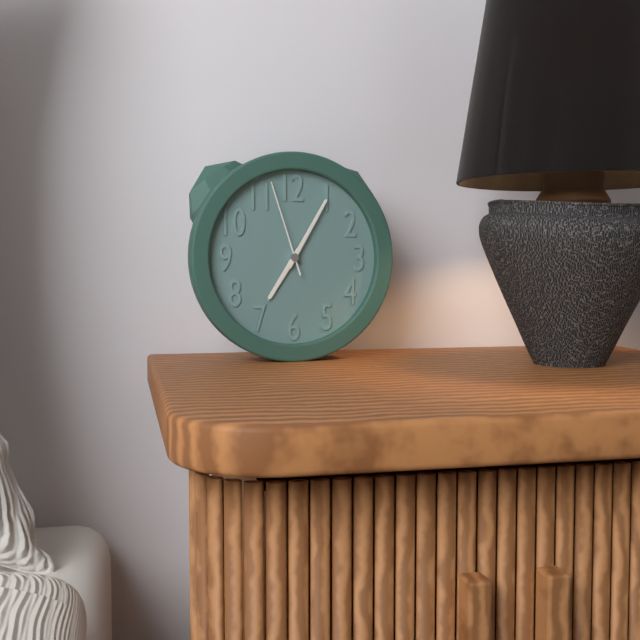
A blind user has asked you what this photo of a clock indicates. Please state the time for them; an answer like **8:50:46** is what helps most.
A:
**7:05:57**
